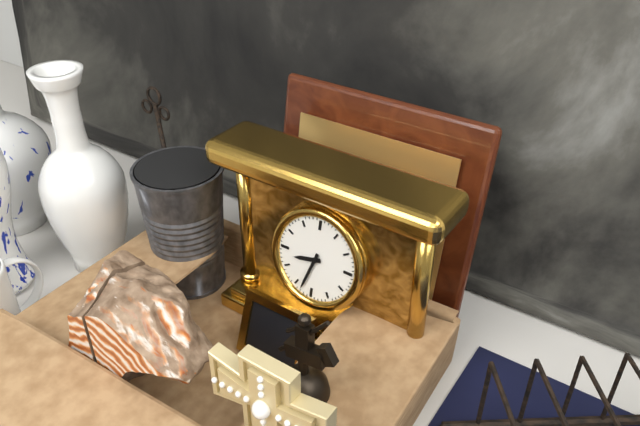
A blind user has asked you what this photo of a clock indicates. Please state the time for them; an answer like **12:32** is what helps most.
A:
**8:33**
